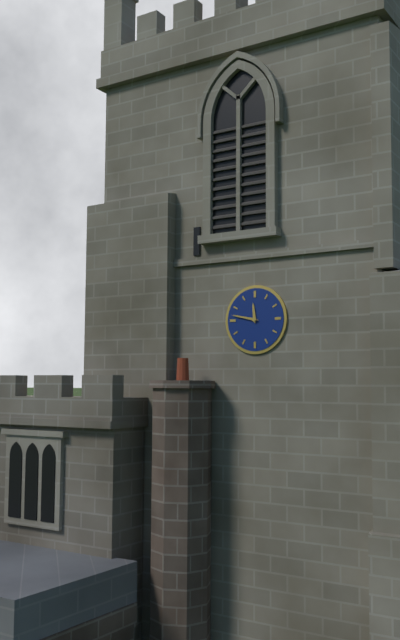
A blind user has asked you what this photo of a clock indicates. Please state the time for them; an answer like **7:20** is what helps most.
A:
**11:47**
